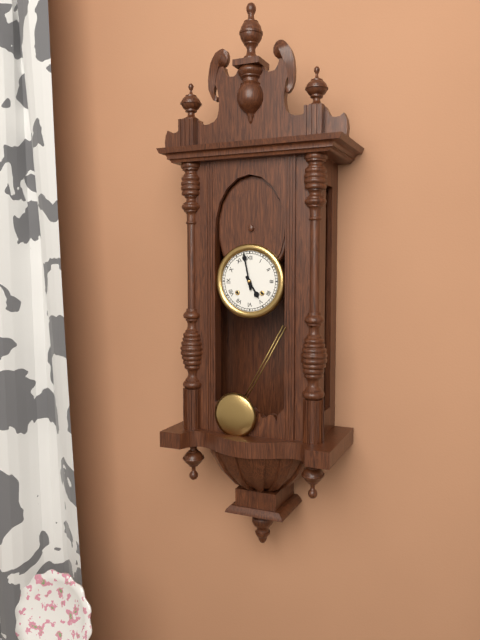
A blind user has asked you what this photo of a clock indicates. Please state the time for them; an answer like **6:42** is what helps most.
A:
**4:58**
